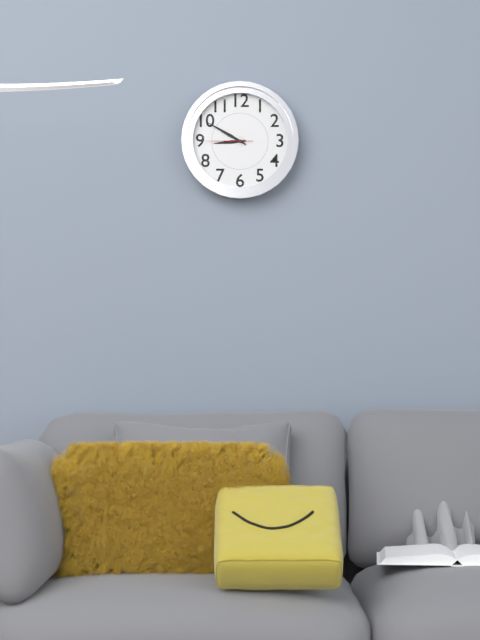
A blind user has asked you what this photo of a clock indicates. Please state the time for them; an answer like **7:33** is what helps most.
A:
**8:50**
